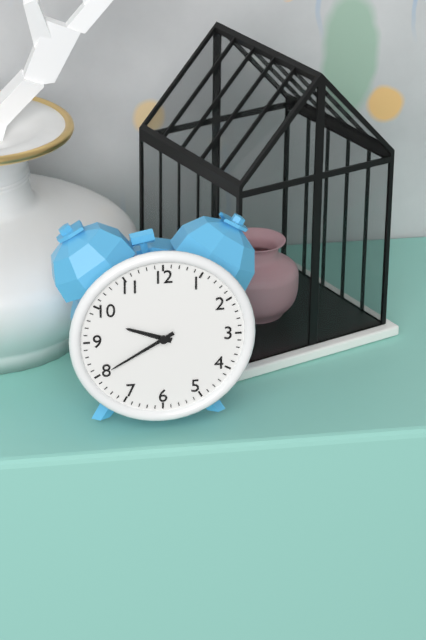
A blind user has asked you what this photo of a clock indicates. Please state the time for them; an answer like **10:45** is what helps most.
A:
**9:40**
